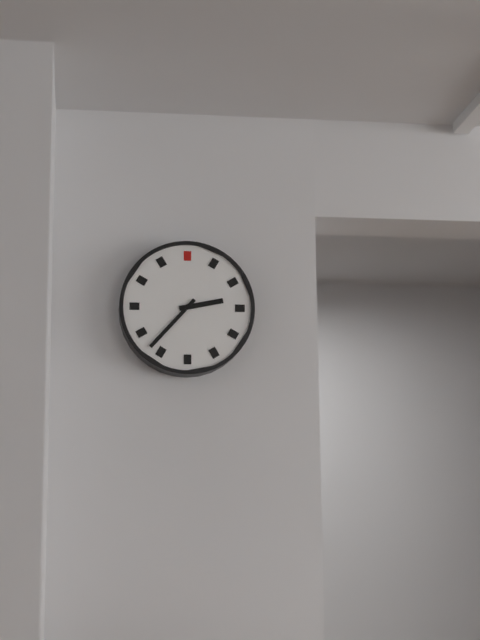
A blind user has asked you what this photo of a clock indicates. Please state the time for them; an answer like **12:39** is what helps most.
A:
**2:37**
